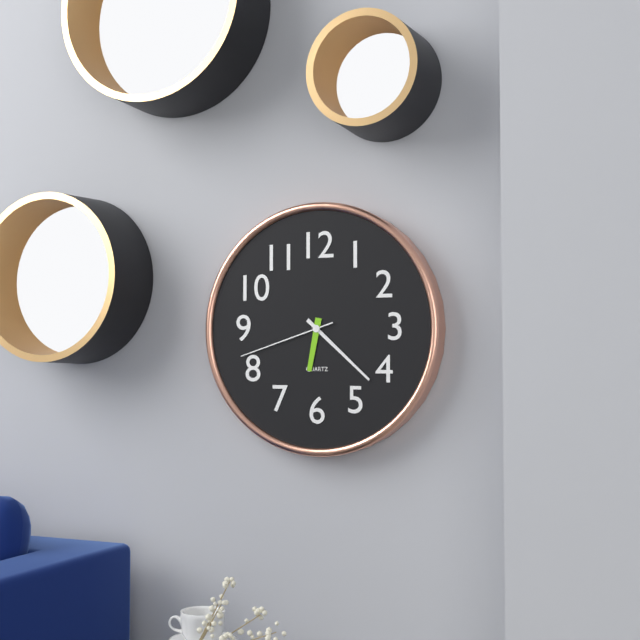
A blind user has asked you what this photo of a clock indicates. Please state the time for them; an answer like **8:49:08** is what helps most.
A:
**6:22:42**
